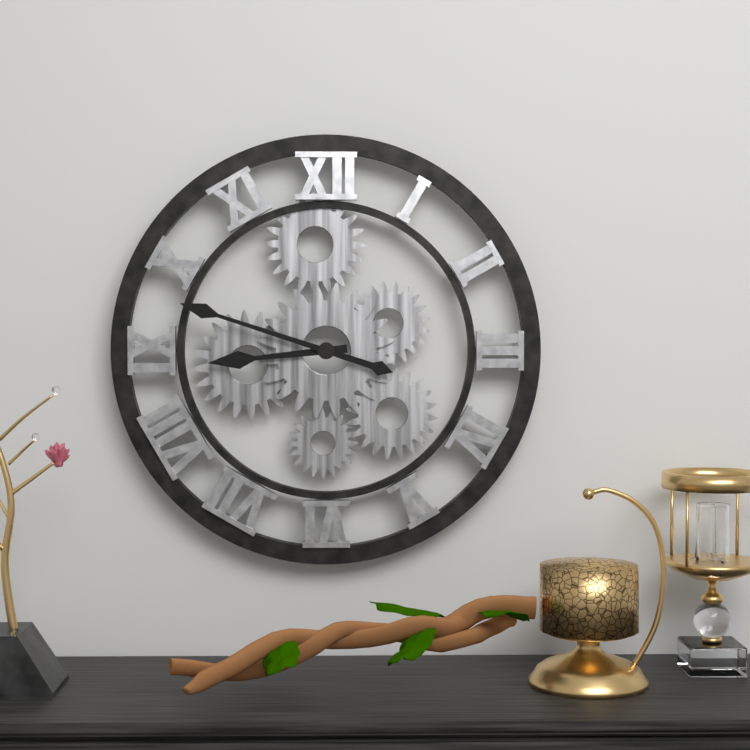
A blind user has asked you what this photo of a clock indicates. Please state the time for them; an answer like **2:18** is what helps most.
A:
**8:48**
